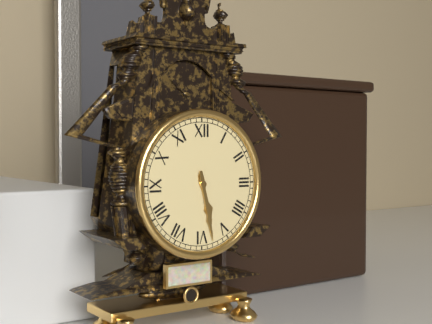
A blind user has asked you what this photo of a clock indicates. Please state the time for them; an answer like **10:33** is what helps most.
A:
**5:28**
